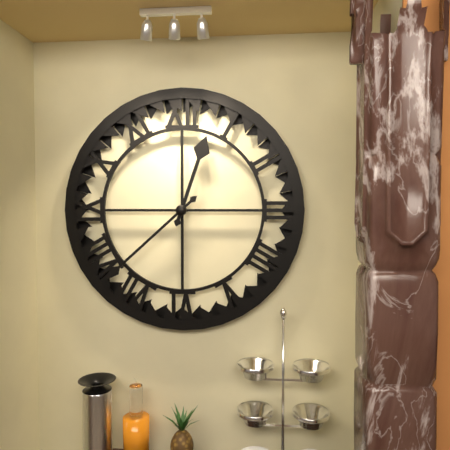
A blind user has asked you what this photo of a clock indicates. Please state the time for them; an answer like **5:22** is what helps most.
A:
**12:38**
